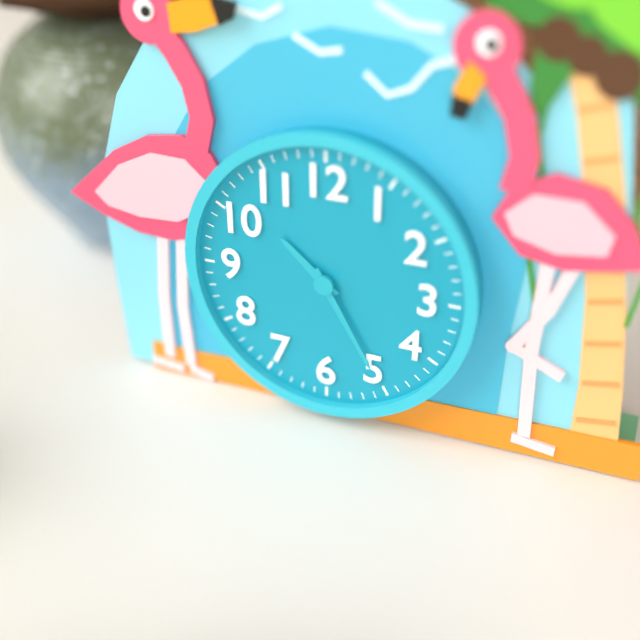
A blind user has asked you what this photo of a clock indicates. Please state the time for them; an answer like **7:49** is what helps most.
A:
**10:25**
